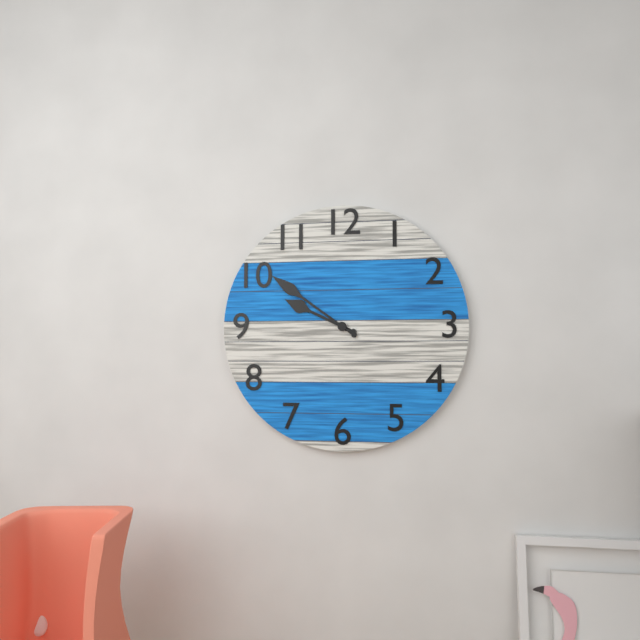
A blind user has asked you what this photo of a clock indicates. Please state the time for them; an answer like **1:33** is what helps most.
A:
**9:51**
